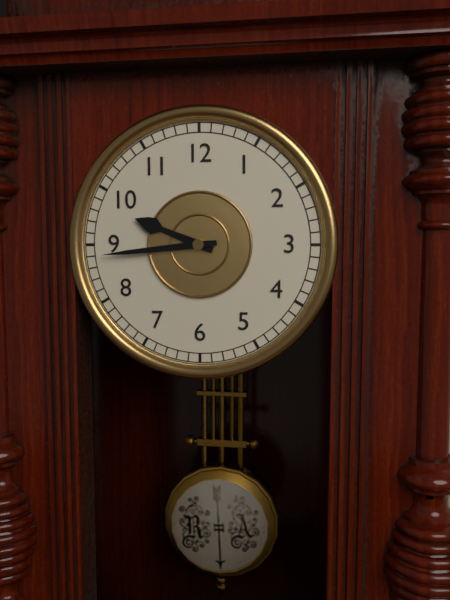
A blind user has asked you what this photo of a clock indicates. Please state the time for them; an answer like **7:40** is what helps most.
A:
**9:44**
